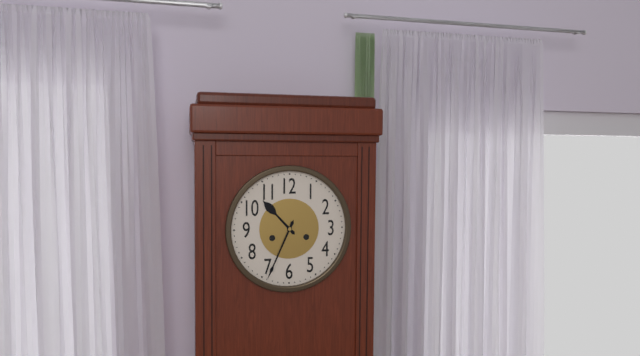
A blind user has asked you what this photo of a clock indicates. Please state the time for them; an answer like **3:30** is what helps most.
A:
**10:34**
